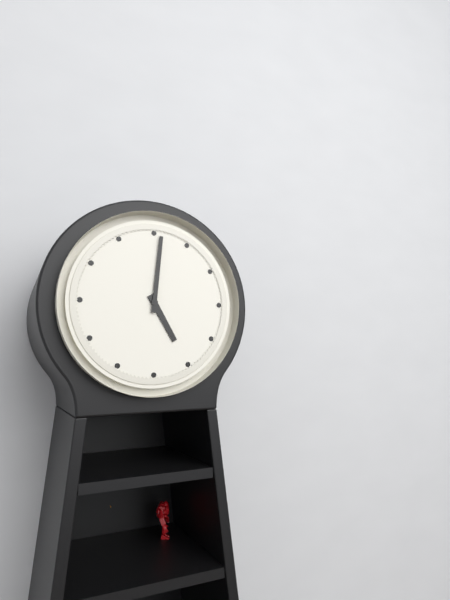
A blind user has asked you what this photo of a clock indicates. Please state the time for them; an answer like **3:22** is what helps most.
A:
**5:01**
